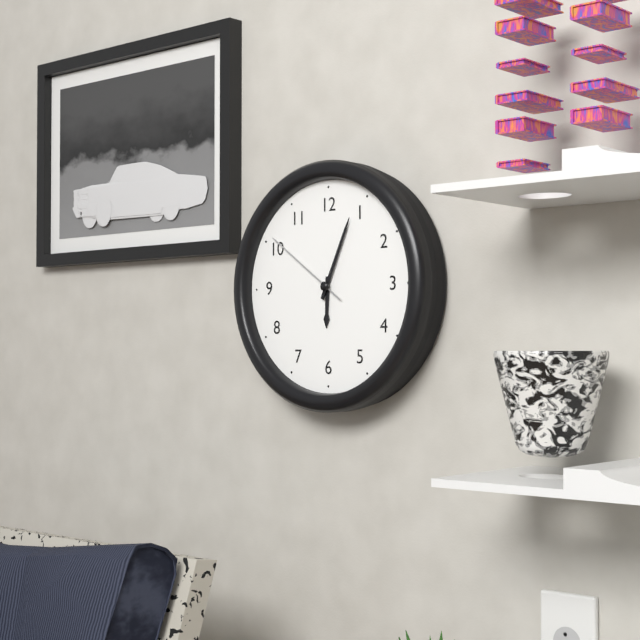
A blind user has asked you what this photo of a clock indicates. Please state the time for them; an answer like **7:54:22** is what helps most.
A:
**6:04:51**
